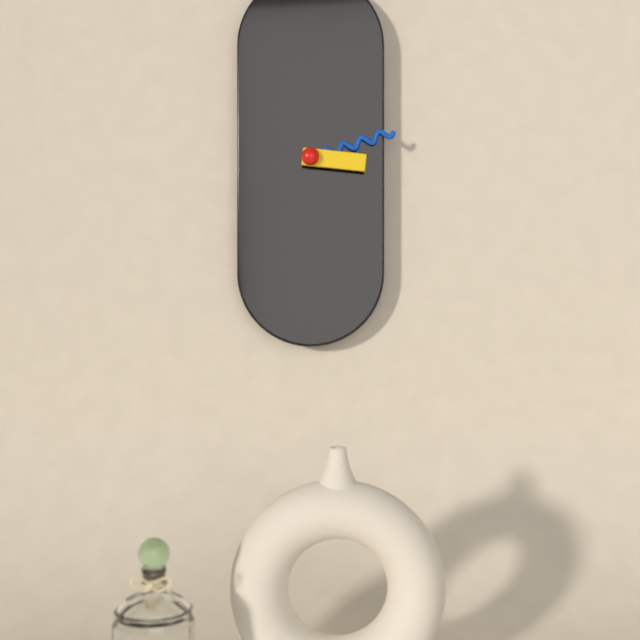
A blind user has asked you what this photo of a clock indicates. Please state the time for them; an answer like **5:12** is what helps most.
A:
**3:12**
